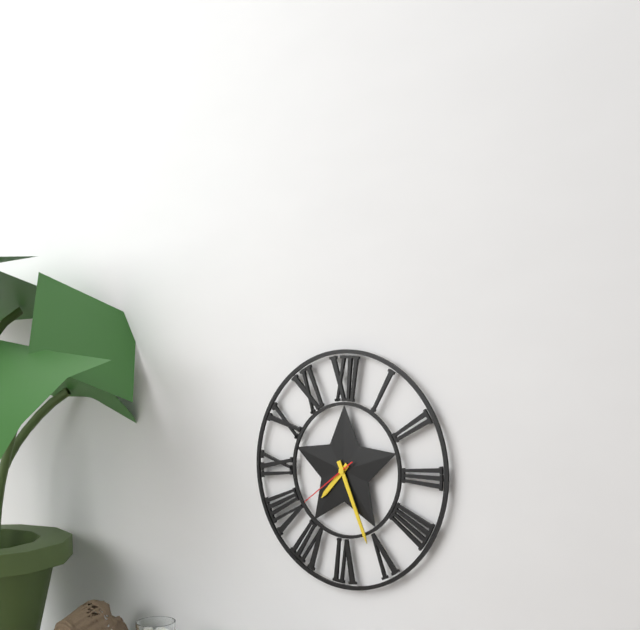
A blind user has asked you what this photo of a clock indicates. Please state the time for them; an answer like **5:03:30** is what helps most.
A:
**7:26:39**
